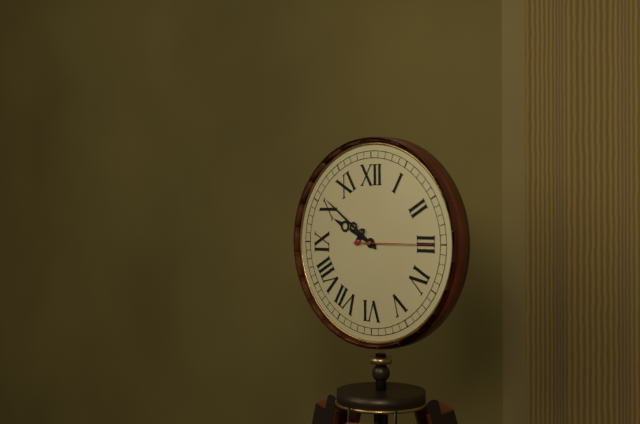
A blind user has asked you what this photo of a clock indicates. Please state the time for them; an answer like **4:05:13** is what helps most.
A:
**9:51:15**
